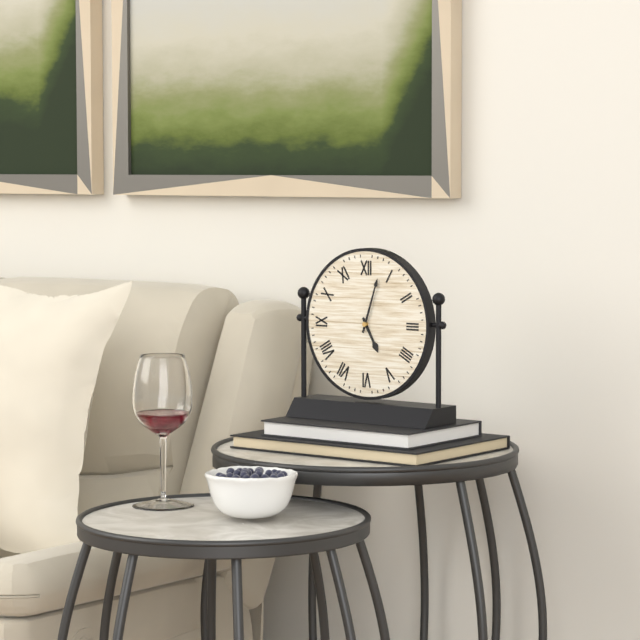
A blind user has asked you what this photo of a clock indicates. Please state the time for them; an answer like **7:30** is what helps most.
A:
**5:03**
